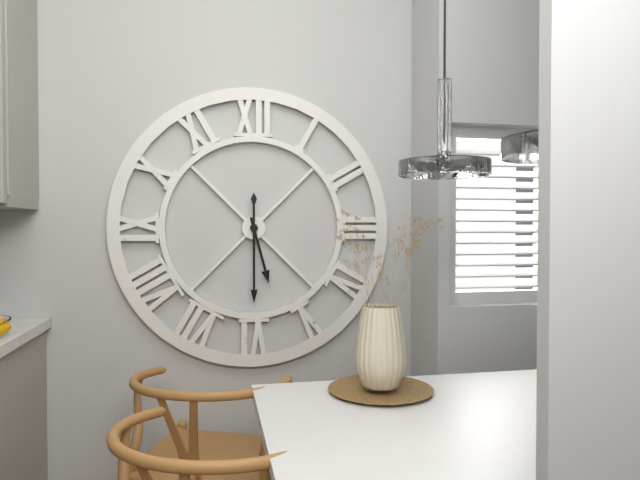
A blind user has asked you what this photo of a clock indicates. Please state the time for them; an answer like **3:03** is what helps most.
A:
**5:30**
